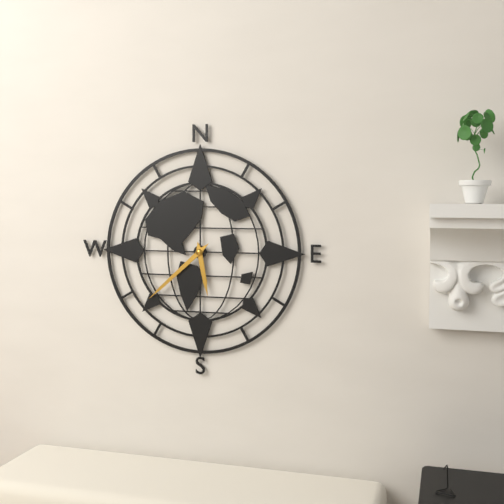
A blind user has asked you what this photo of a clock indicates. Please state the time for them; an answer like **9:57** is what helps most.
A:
**5:38**
